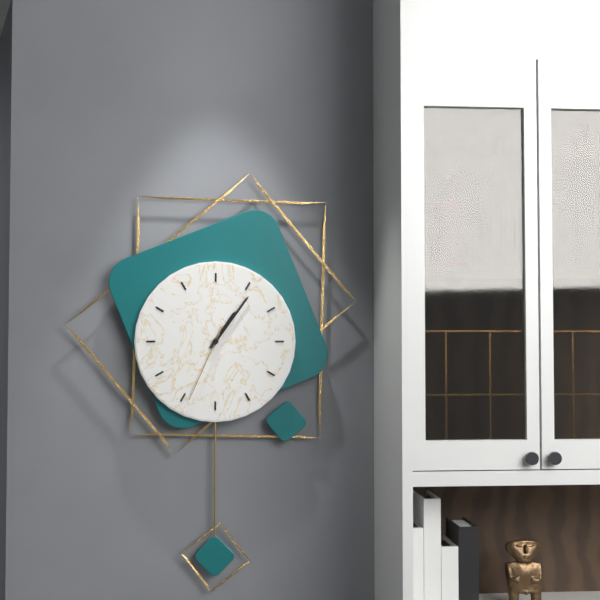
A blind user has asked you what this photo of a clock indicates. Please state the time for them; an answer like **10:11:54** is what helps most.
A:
**1:06:34**
